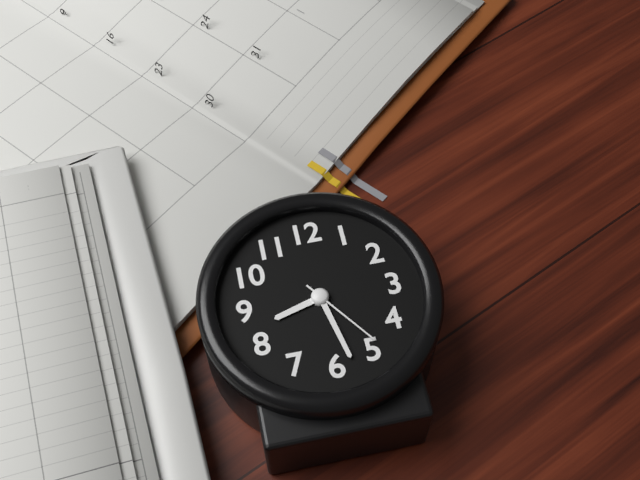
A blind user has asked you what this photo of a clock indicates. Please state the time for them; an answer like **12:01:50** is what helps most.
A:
**8:28:24**
